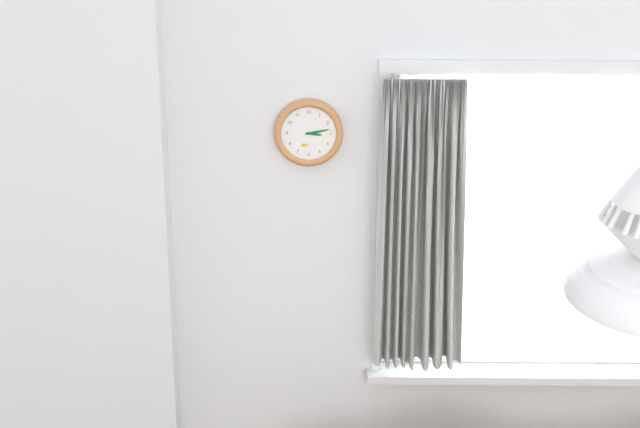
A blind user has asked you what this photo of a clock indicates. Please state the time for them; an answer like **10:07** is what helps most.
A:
**3:13**
